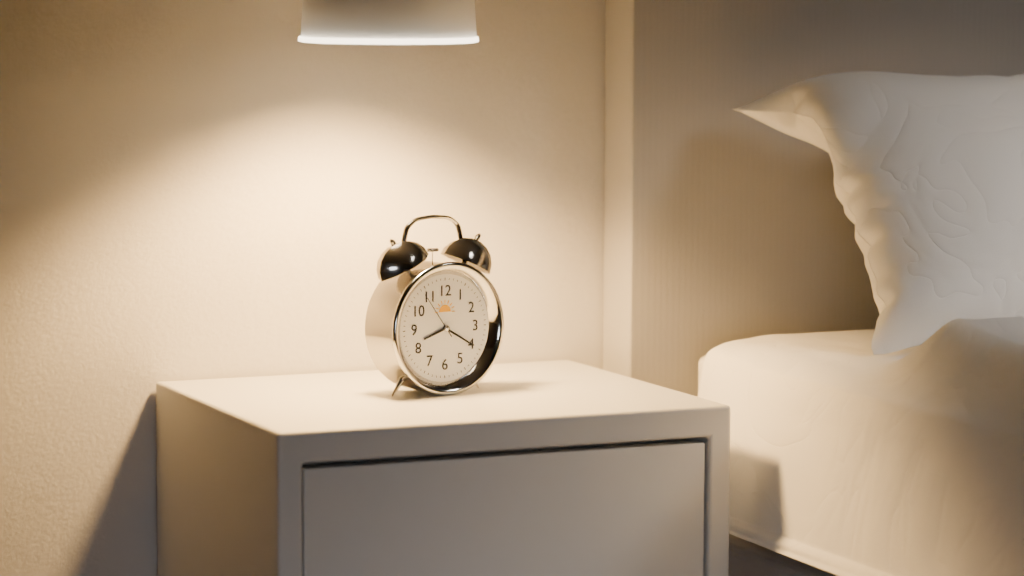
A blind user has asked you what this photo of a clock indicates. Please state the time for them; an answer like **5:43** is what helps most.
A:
**8:20**
